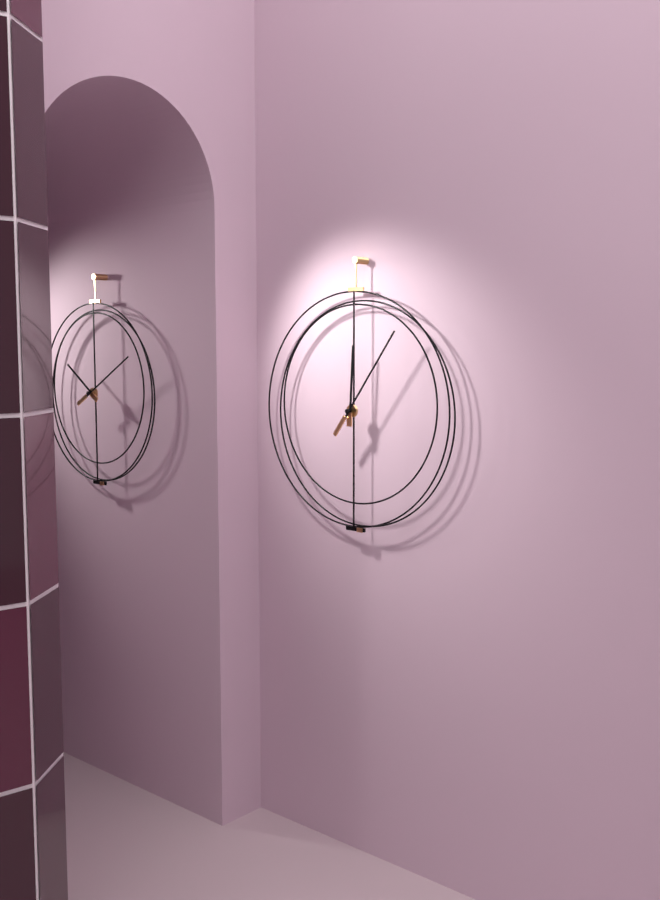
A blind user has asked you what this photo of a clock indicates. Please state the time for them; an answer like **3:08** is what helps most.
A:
**12:06**
